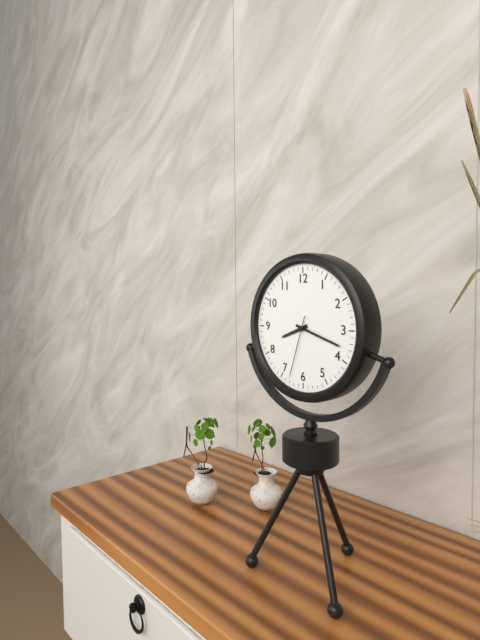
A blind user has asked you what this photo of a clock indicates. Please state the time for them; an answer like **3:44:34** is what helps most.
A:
**8:18:33**
